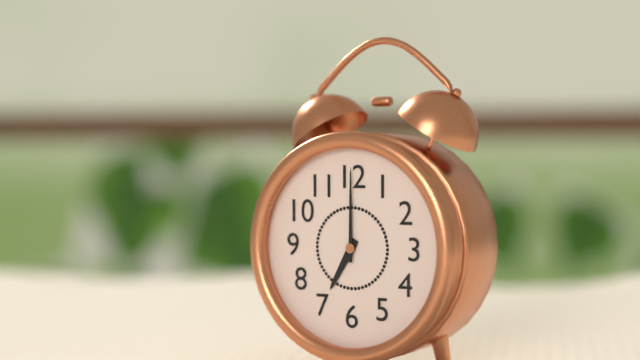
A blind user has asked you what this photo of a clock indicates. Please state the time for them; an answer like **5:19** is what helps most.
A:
**7:00**
